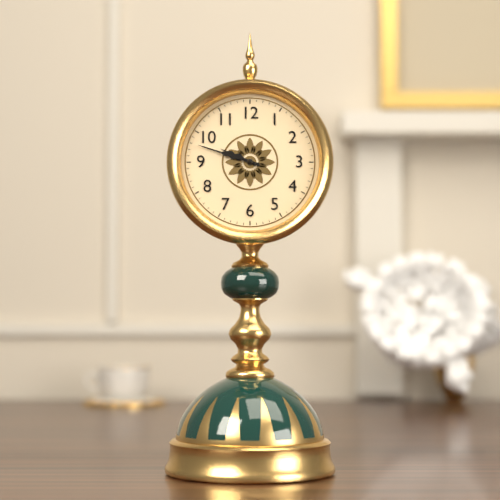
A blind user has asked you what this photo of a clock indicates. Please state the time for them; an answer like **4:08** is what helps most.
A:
**9:48**
